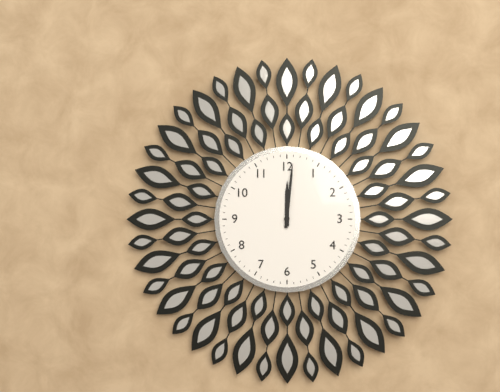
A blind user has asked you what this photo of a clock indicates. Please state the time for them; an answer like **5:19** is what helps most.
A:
**12:01**
